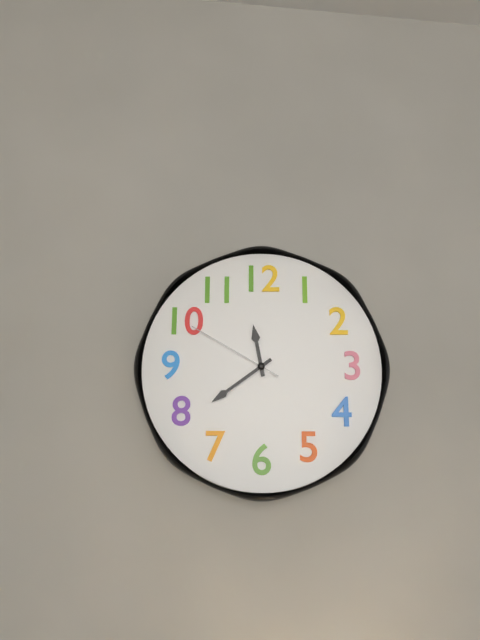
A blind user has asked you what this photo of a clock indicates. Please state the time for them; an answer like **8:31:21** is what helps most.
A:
**11:39:50**
